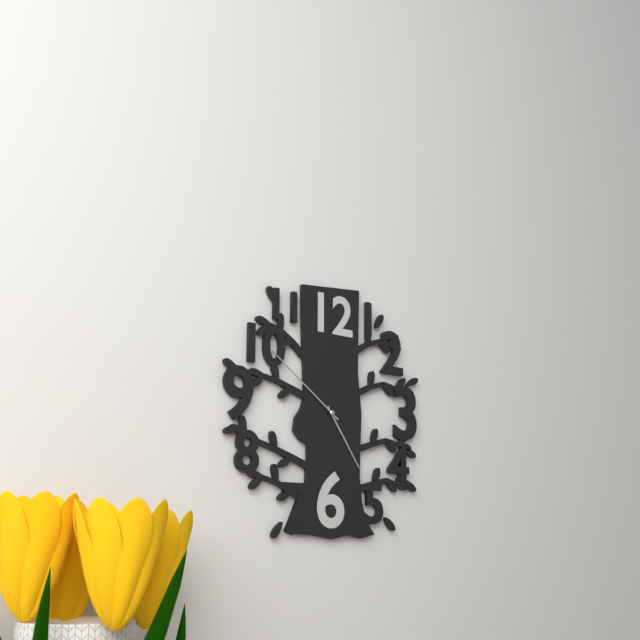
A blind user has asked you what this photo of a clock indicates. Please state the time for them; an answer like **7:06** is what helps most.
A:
**4:51**
